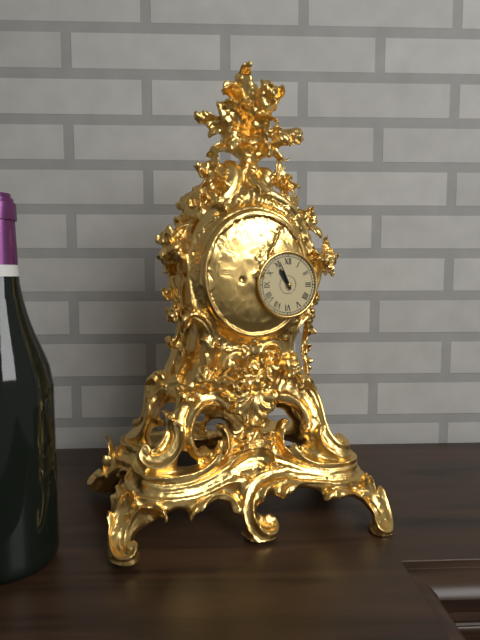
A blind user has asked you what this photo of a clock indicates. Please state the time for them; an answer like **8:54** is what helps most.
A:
**10:56**
